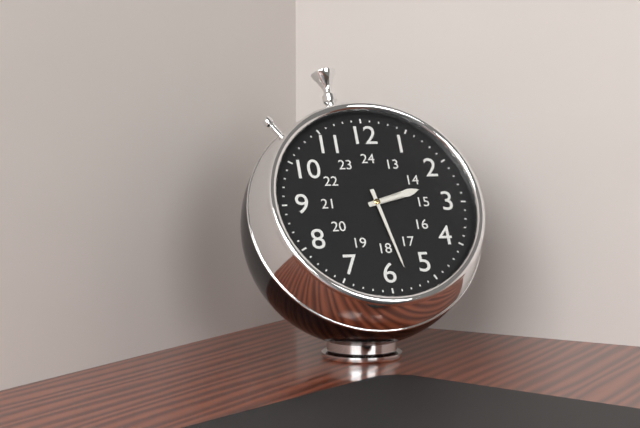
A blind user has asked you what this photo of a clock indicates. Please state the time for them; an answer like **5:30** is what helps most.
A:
**2:28**
